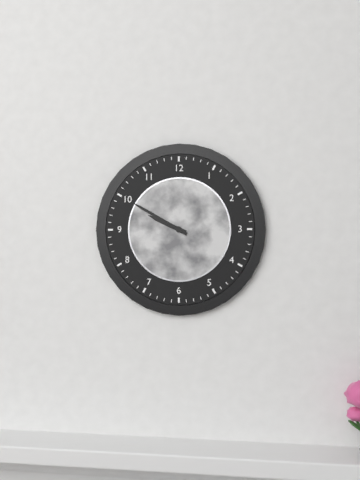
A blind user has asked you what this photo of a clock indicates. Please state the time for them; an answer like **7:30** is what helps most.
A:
**9:50**
